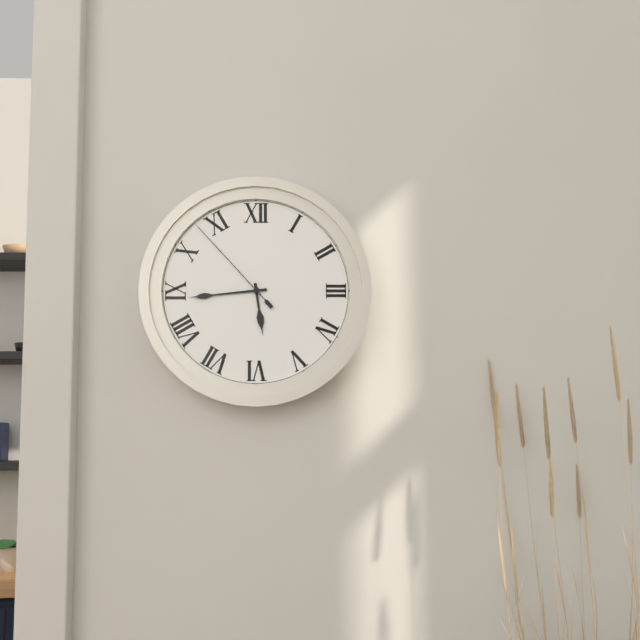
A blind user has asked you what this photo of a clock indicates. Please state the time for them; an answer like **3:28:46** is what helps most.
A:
**5:44:53**
